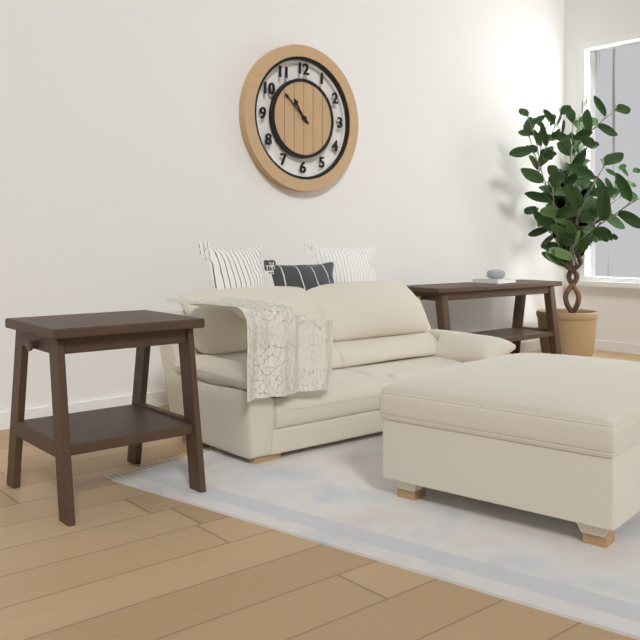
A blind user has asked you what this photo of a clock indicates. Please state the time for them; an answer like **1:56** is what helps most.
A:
**10:52**
